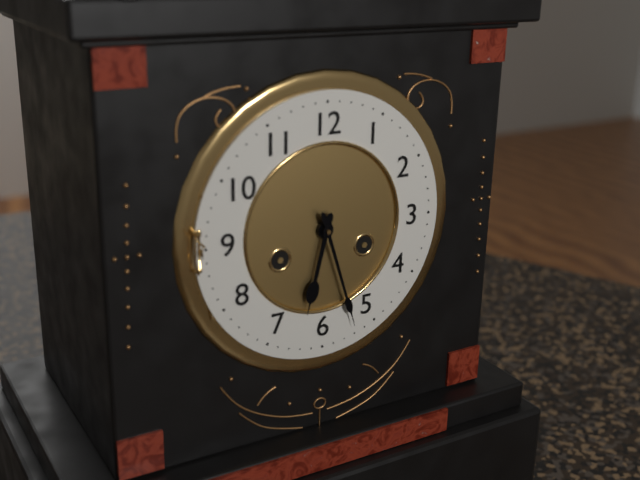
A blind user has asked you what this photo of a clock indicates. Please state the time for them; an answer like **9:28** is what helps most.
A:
**6:27**
